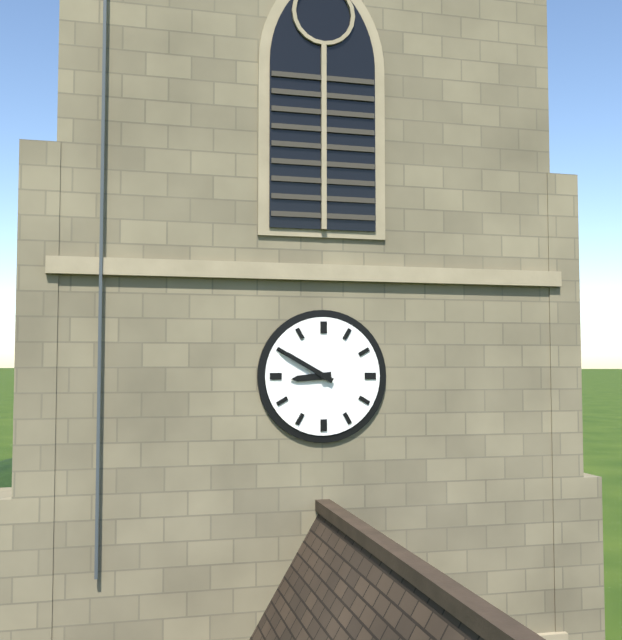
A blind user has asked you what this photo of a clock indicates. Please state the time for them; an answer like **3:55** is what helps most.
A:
**8:50**
